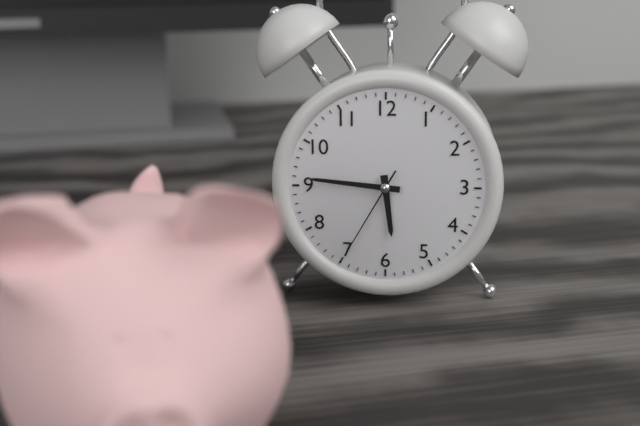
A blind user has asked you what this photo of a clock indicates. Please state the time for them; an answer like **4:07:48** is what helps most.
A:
**5:46:35**
